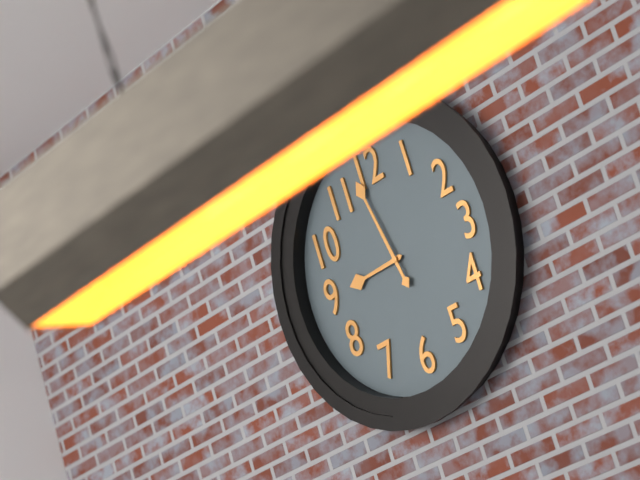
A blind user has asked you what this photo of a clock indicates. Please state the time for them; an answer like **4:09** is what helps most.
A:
**8:58**
